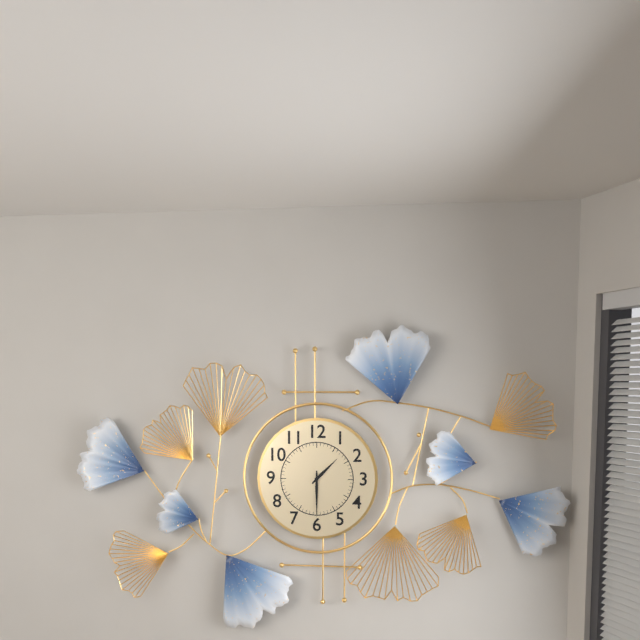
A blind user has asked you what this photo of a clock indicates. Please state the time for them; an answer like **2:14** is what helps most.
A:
**1:30**
